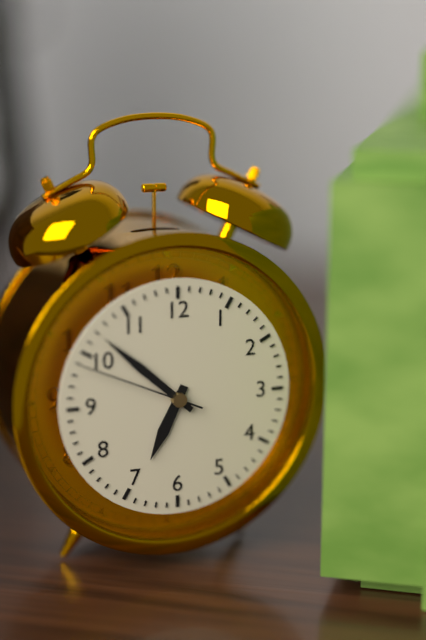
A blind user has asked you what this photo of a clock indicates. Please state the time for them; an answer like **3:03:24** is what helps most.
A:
**6:52:49**
